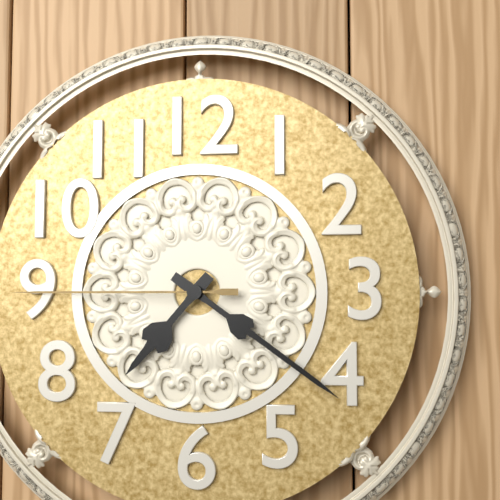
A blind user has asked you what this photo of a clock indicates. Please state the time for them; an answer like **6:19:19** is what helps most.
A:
**7:21:45**
